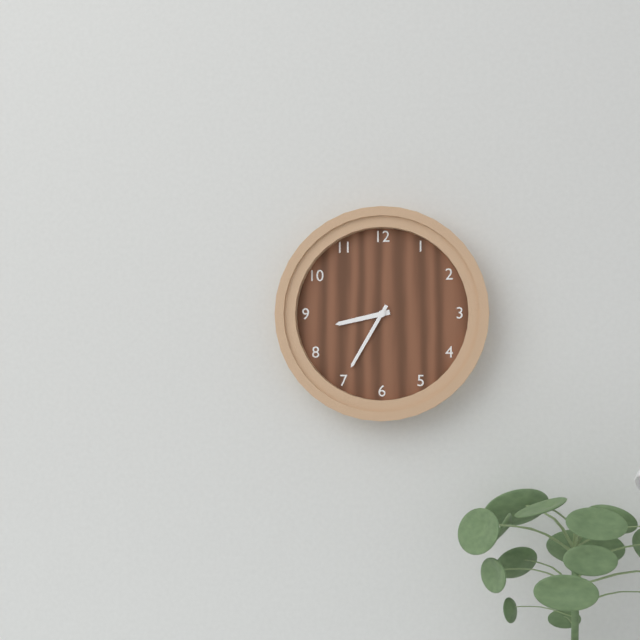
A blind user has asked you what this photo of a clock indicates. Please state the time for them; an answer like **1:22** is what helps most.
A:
**8:35**
